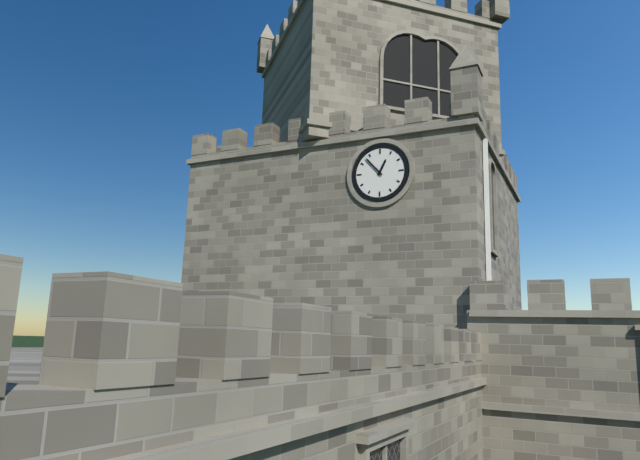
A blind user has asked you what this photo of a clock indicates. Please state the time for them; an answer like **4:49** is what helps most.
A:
**12:53**
